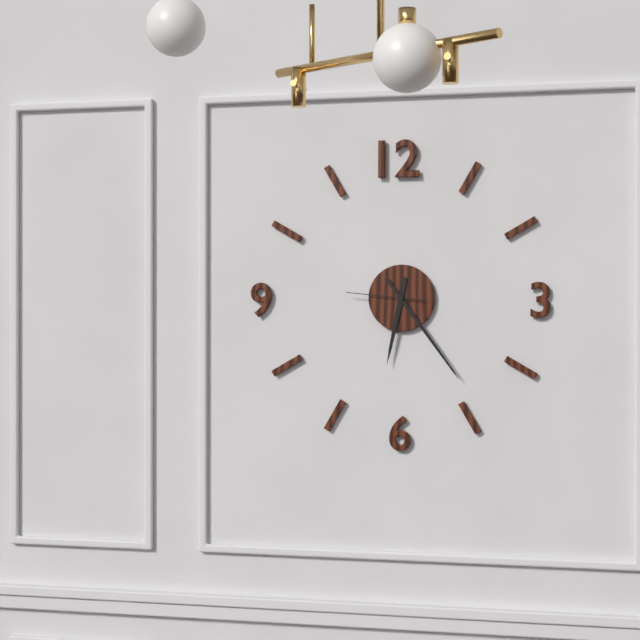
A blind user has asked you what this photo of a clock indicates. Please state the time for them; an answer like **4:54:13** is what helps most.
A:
**6:24:46**
